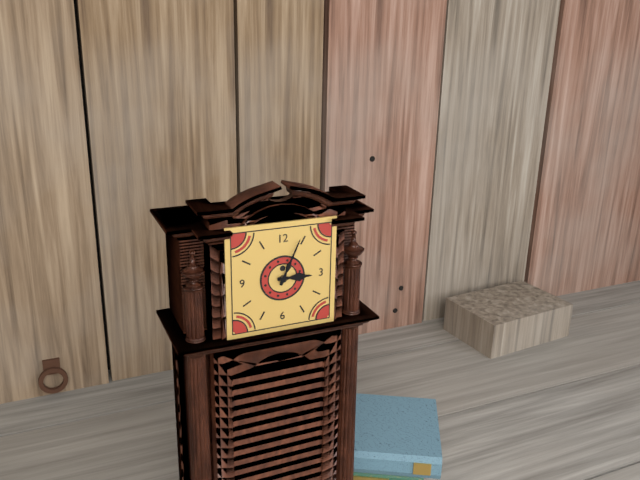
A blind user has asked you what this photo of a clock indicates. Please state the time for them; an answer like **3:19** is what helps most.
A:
**3:04**
